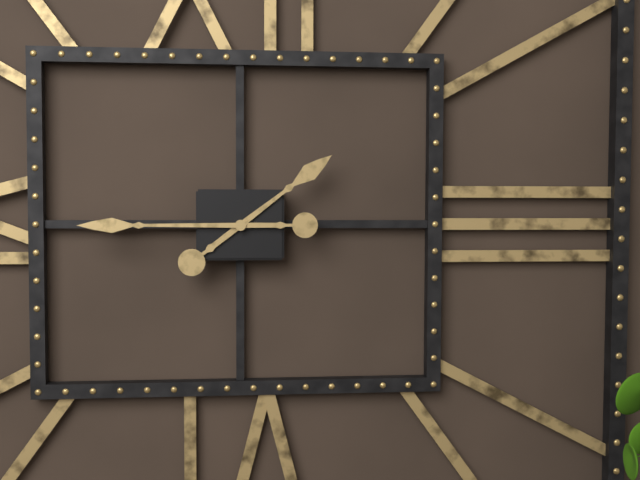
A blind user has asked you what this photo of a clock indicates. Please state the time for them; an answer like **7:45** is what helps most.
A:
**1:45**
